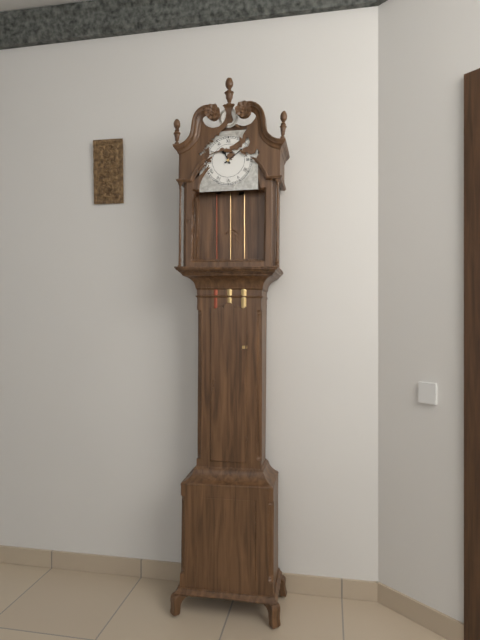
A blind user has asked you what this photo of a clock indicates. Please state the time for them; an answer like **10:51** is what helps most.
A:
**11:09**
